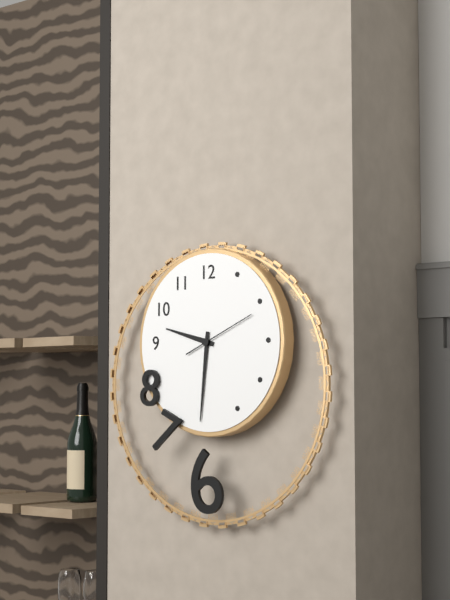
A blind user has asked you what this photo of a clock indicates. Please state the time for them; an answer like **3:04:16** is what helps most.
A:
**9:31:11**
